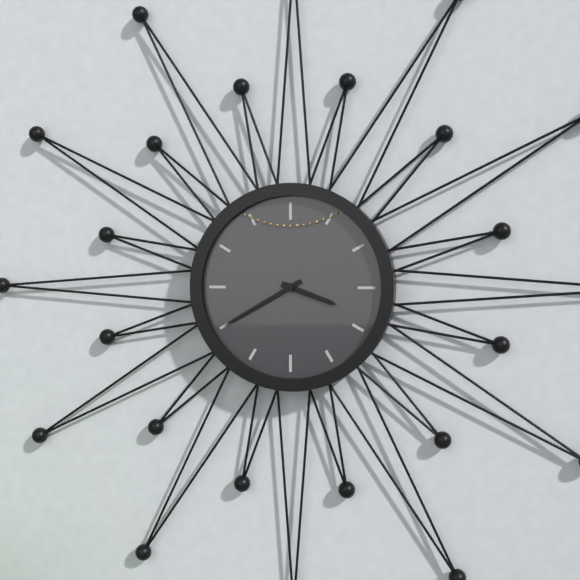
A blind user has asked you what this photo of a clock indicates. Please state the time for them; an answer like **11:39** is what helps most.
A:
**3:40**
